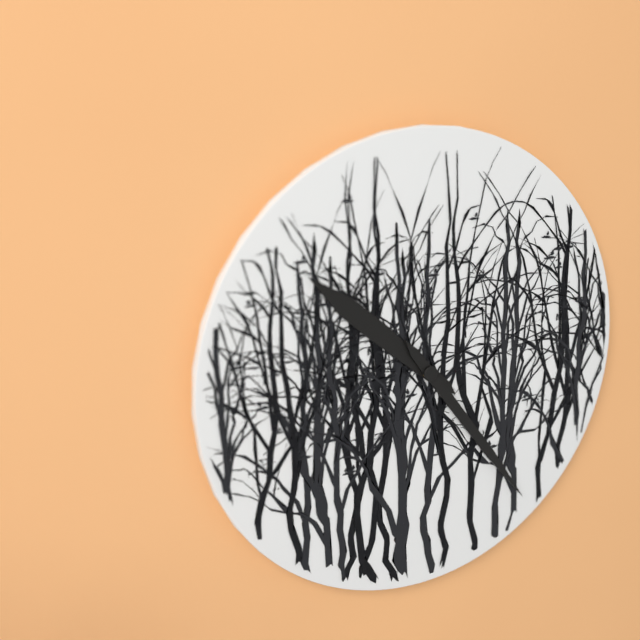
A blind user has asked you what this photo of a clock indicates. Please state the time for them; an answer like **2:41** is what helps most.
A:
**10:24**
